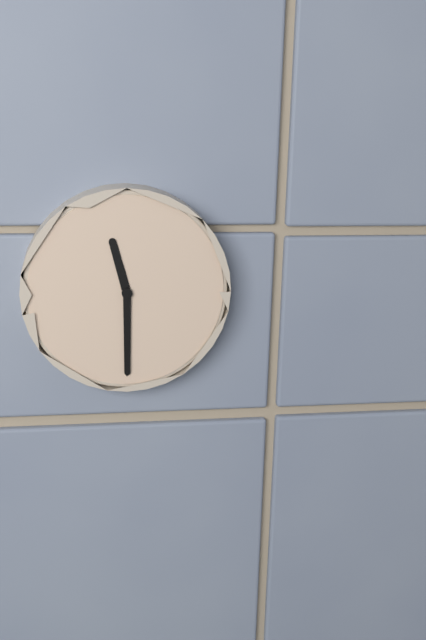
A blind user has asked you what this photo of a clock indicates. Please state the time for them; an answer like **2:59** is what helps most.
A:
**11:30**
